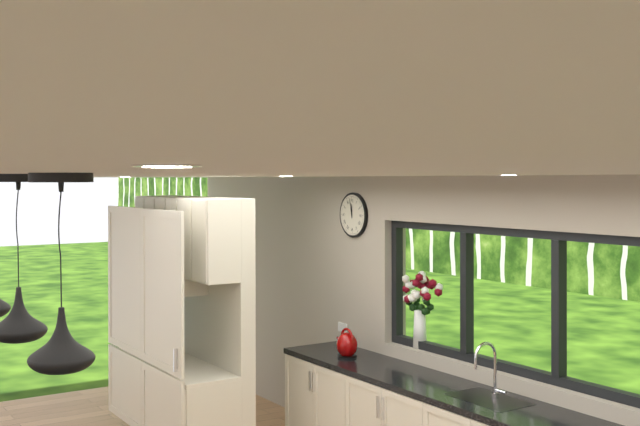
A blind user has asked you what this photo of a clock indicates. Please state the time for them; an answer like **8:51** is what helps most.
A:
**11:58**
